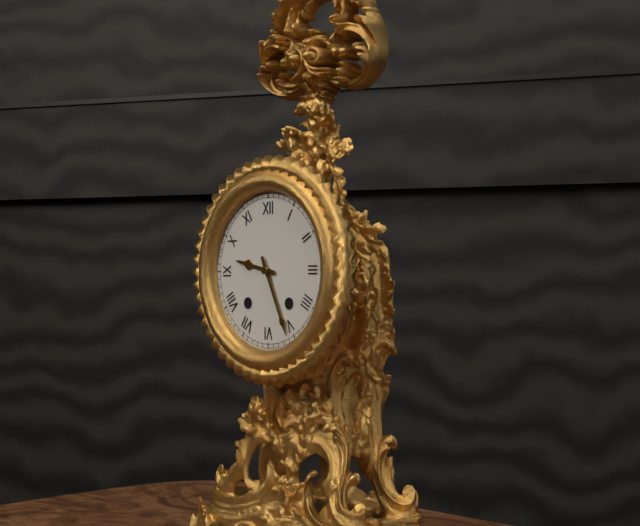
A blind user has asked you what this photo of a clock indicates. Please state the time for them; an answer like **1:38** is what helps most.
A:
**9:26**
